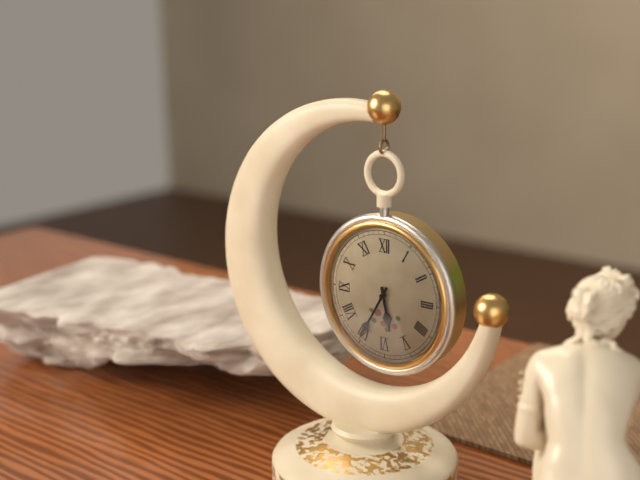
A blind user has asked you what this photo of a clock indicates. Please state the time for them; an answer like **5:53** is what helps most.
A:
**5:35**
